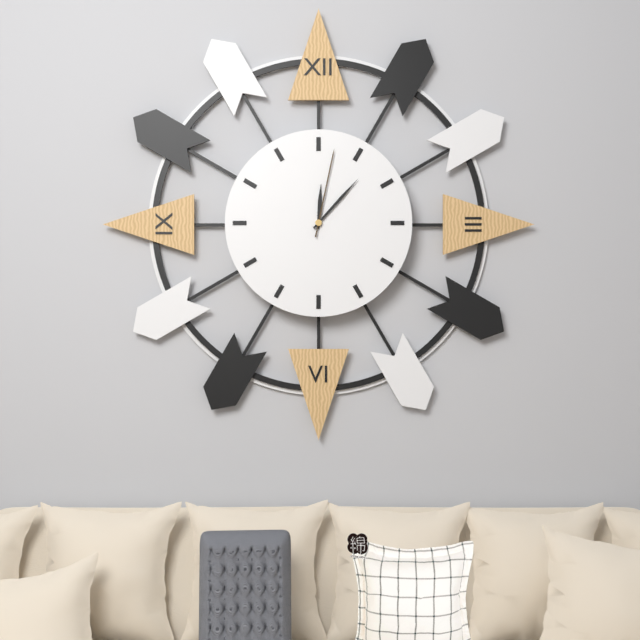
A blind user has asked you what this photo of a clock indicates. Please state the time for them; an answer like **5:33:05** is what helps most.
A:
**12:07:02**
